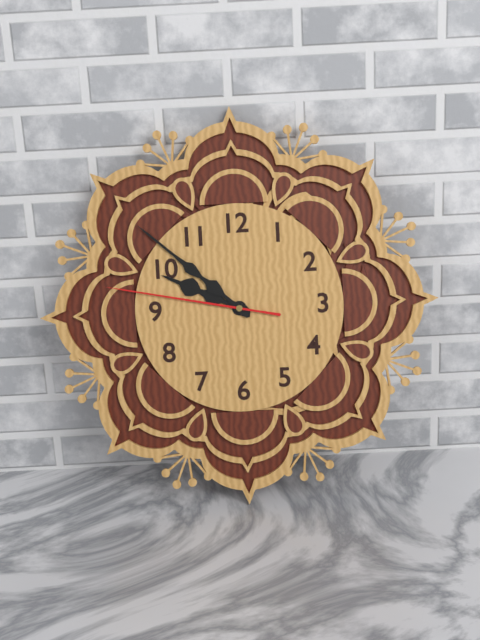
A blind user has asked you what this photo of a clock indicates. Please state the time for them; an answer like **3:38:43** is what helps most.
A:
**9:52:47**
